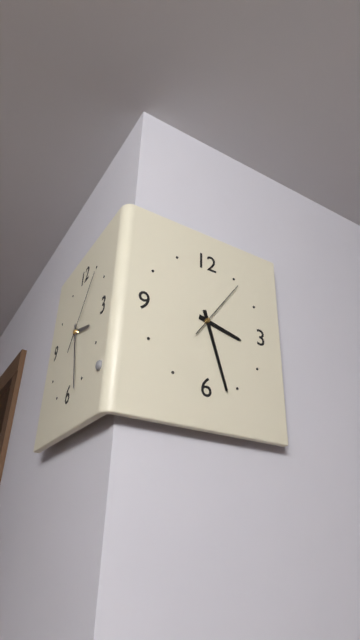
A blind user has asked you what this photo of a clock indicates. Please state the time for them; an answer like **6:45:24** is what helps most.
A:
**3:27:06**
